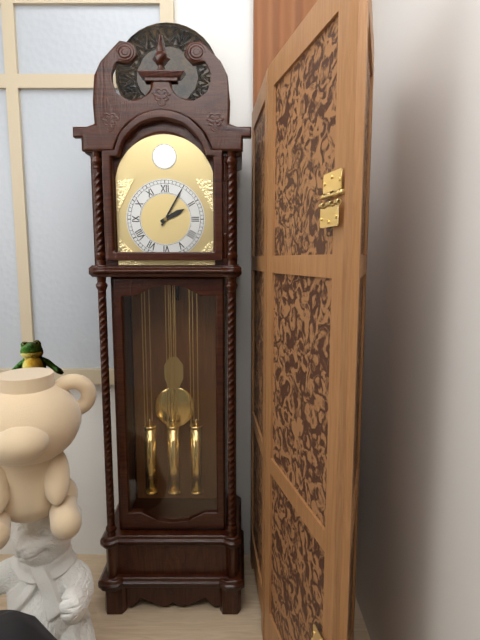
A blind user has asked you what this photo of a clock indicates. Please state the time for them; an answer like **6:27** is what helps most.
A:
**2:05**
